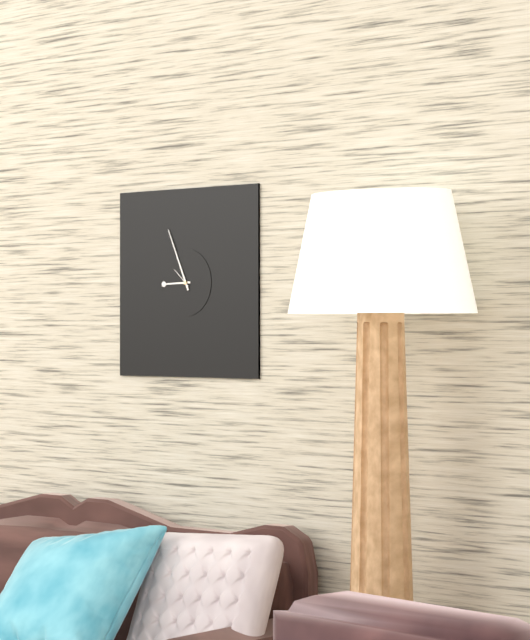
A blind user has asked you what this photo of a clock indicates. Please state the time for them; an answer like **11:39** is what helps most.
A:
**8:56**
